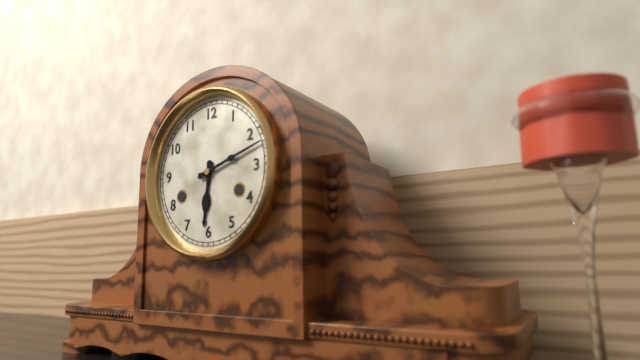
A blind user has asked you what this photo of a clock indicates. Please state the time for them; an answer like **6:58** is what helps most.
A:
**6:12**
